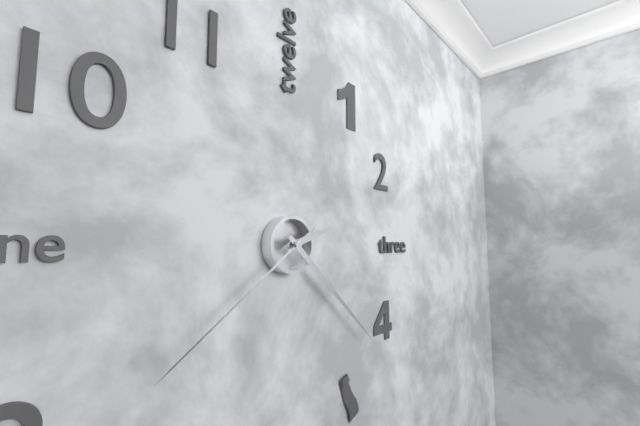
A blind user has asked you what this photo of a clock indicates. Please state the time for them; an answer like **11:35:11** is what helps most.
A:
**2:22:39**
